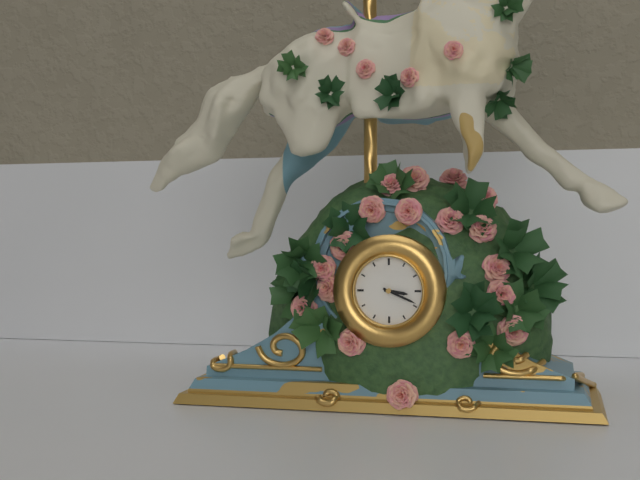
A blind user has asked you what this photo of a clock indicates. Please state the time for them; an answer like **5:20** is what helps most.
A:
**3:19**
